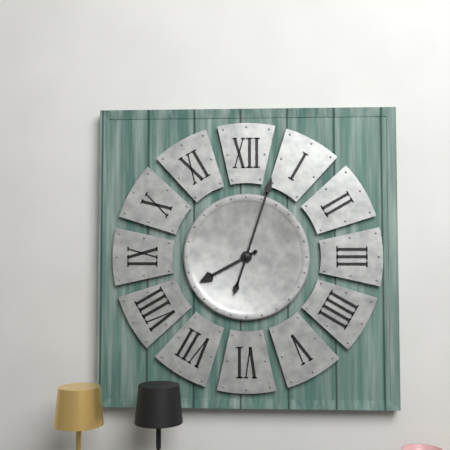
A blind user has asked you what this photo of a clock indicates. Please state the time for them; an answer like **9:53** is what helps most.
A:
**8:03**
